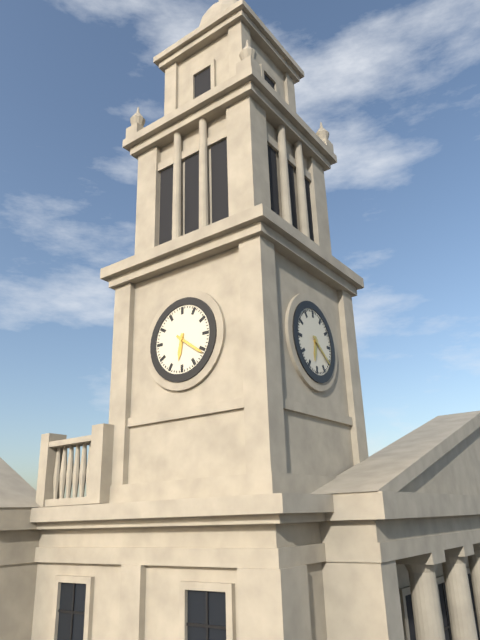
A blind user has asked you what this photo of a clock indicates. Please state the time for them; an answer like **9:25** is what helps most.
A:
**6:21**
